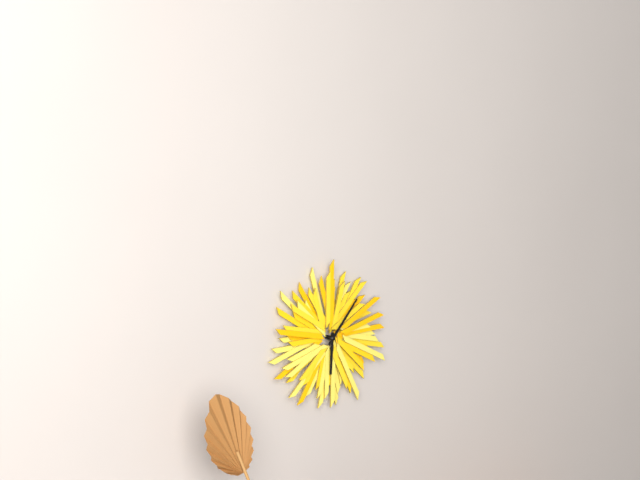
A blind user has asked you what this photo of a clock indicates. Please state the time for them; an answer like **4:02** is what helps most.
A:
**6:07**
